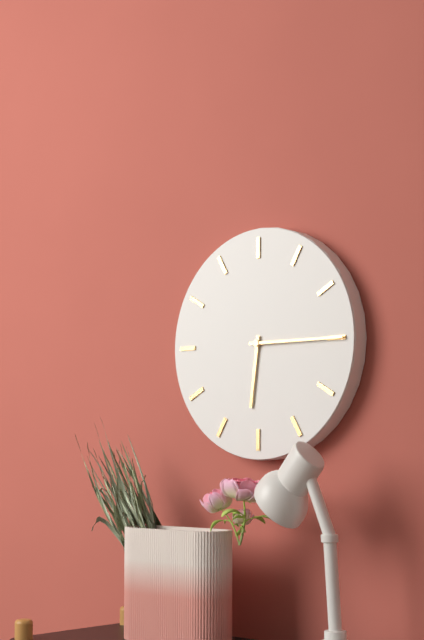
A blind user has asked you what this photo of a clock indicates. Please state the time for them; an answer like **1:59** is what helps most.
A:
**6:15**
